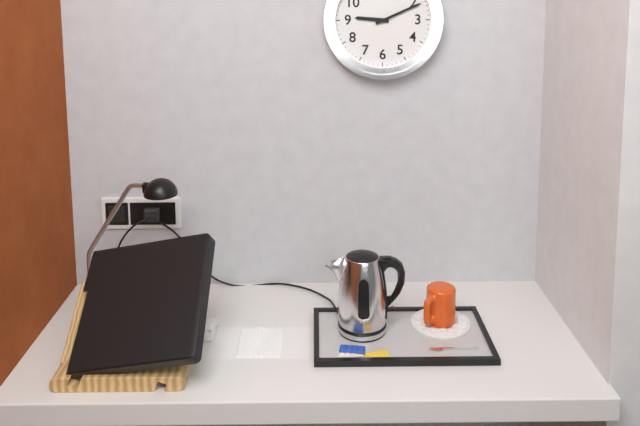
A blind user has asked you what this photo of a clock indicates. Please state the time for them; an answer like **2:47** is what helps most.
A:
**9:11**
